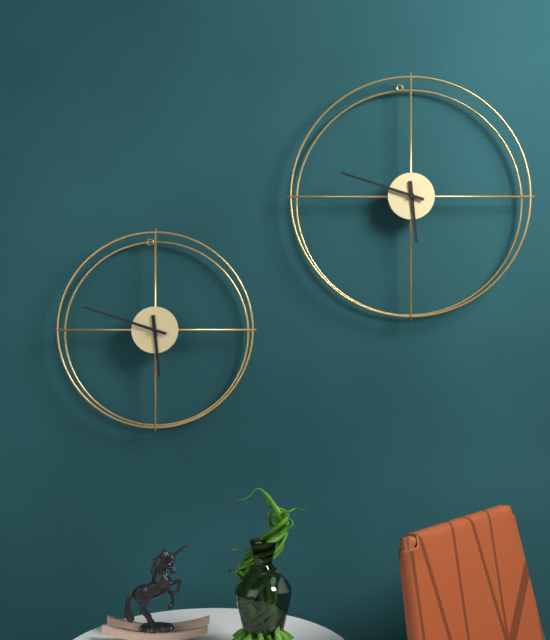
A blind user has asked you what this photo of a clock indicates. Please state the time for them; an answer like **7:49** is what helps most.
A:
**5:48**
